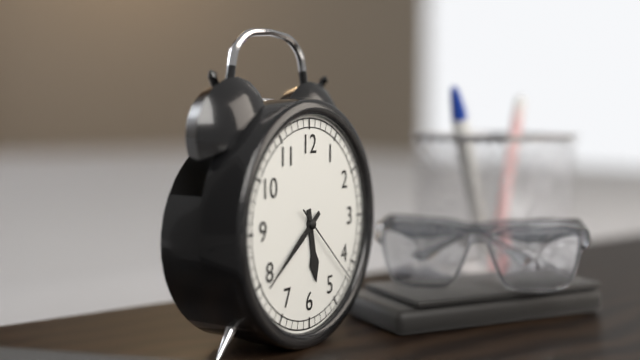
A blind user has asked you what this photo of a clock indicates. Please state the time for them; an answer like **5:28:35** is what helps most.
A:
**5:39:22**
